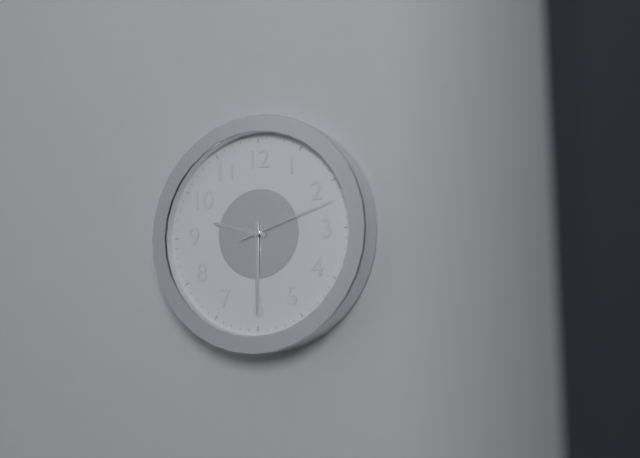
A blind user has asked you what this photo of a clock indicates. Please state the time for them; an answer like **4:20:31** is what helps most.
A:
**9:30:12**
